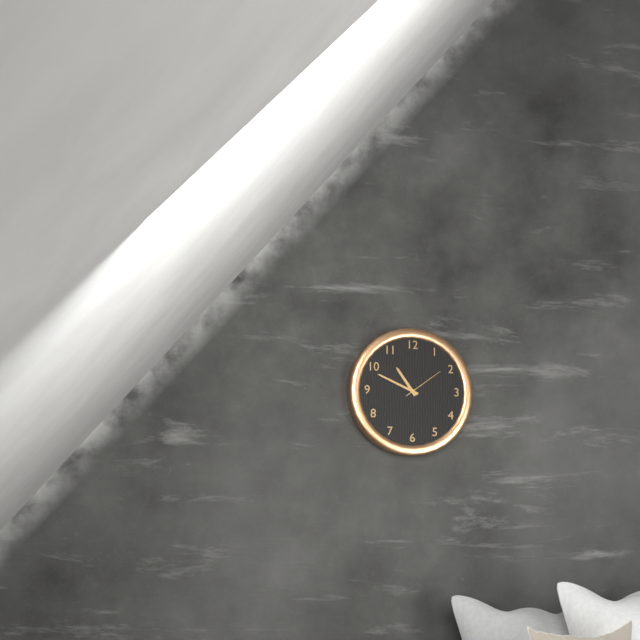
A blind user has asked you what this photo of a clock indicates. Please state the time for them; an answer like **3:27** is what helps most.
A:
**10:49**
